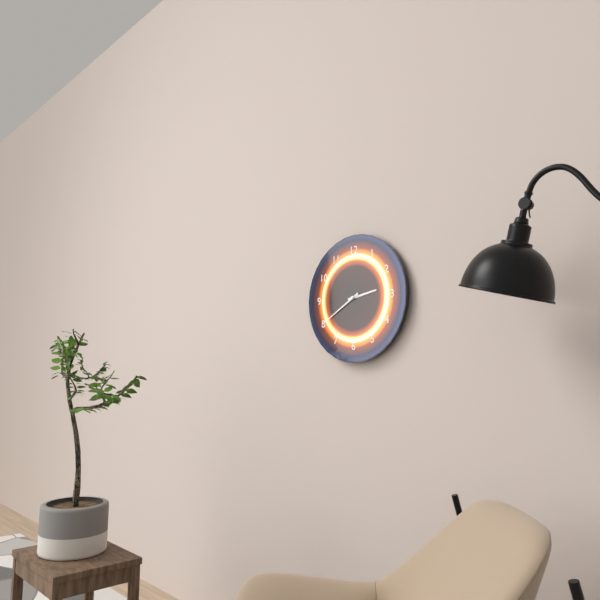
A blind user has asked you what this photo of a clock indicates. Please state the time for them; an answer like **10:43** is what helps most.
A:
**2:40**
